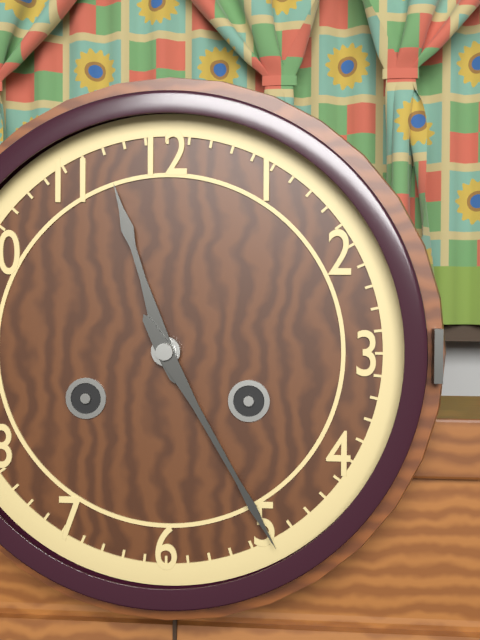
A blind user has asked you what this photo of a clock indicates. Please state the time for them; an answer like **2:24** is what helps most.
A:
**11:25**
